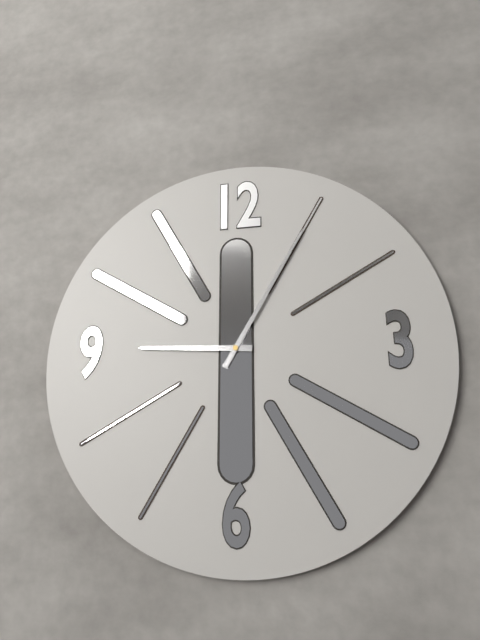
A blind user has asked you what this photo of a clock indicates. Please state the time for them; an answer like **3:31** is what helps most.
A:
**9:05**
